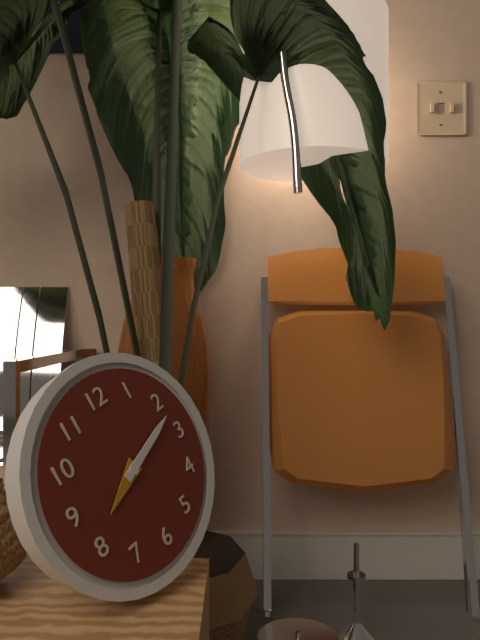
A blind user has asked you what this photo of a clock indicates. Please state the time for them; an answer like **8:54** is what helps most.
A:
**8:12**
